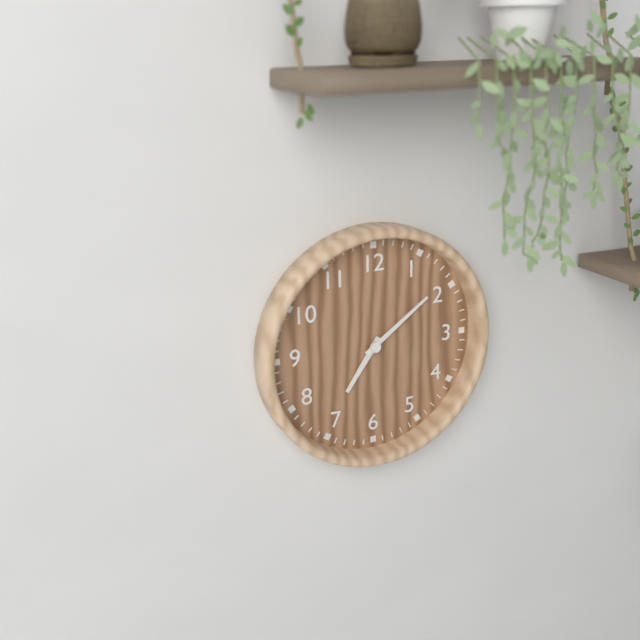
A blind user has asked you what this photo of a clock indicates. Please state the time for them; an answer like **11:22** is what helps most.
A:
**7:09**
